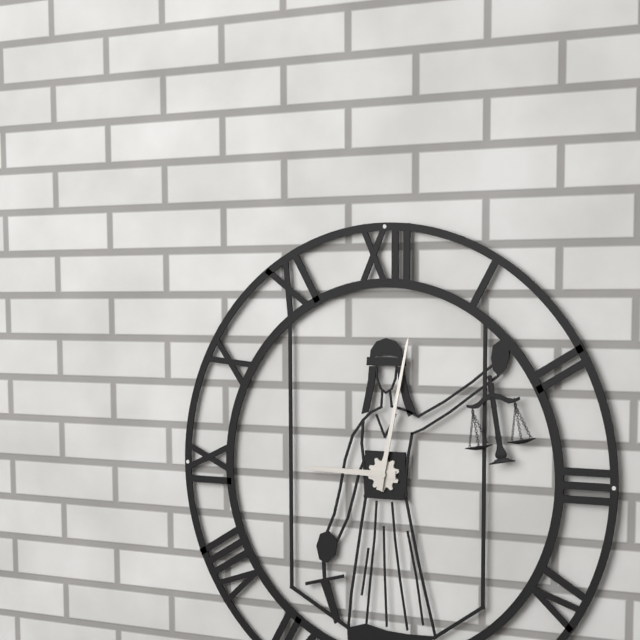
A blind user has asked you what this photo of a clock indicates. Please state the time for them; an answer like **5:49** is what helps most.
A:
**9:02**
